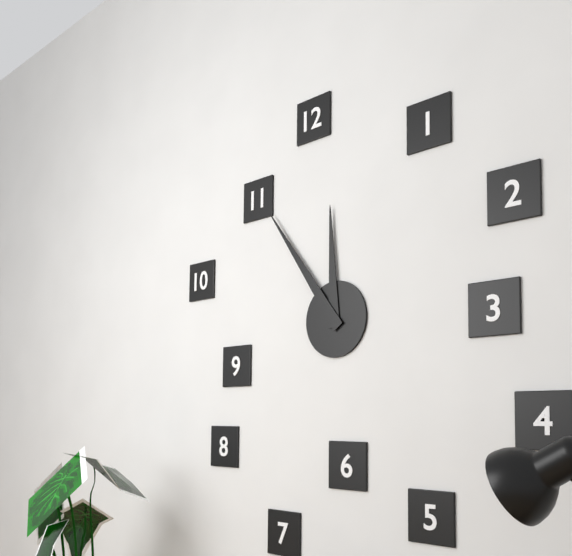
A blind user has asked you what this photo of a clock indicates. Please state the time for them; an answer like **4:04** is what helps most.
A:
**11:54**
